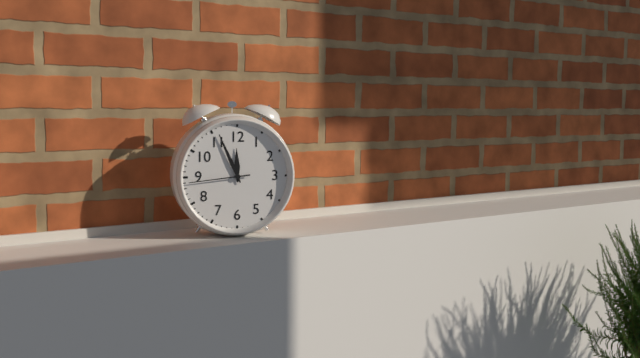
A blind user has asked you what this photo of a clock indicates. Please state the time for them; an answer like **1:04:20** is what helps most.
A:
**11:56:44**
